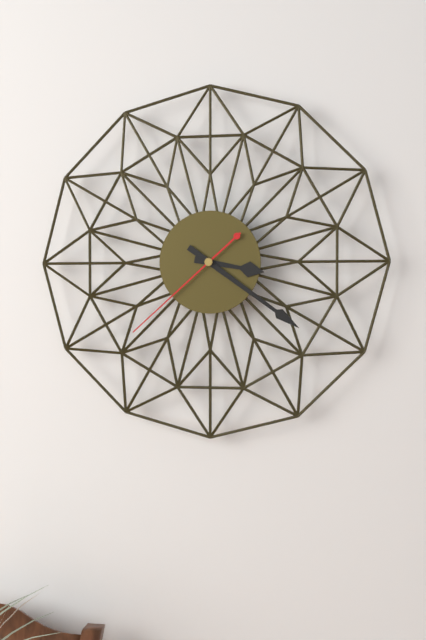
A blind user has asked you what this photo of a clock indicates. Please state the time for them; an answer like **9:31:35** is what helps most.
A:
**3:21:38**
